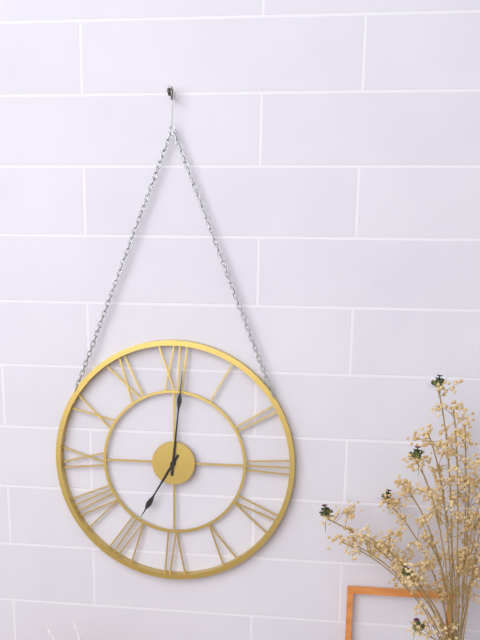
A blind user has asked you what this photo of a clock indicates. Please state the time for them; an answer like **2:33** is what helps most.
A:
**7:01**
